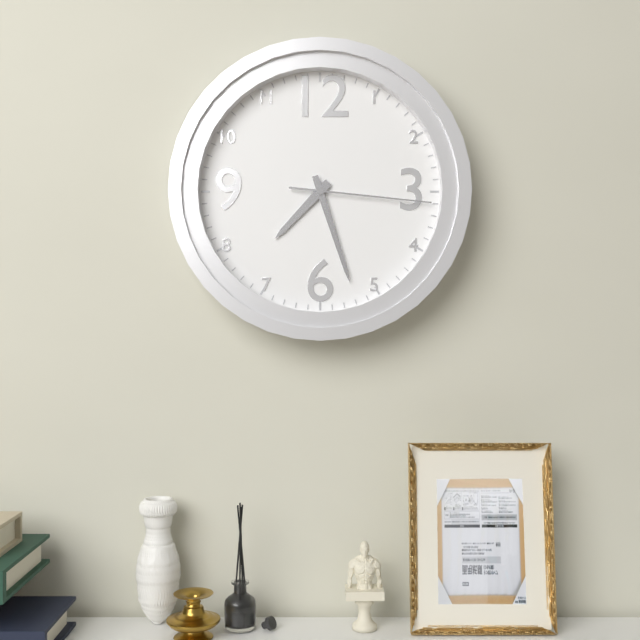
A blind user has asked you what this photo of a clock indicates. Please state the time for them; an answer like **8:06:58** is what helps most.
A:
**7:27:16**
